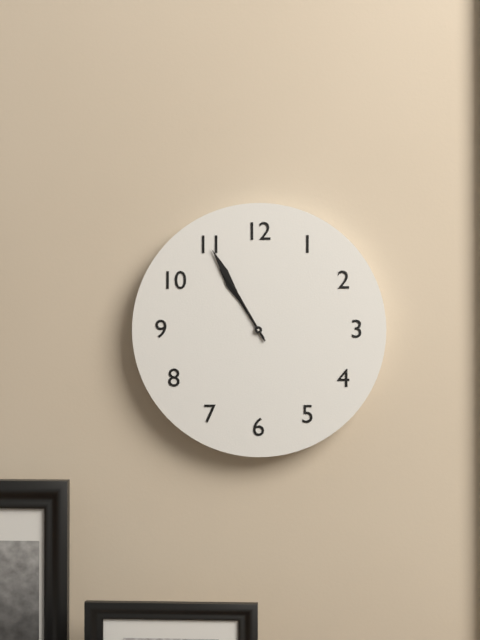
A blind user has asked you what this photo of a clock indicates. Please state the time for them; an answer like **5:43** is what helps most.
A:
**10:55**
